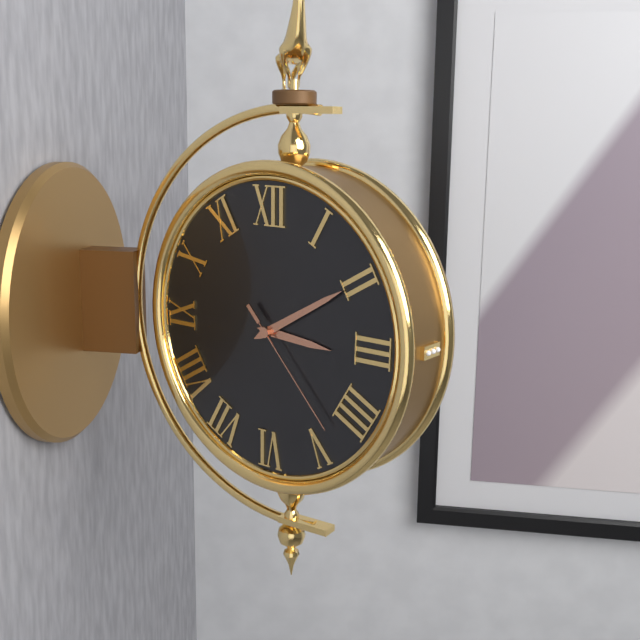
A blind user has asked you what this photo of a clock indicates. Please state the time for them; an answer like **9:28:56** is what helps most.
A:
**3:10:23**
